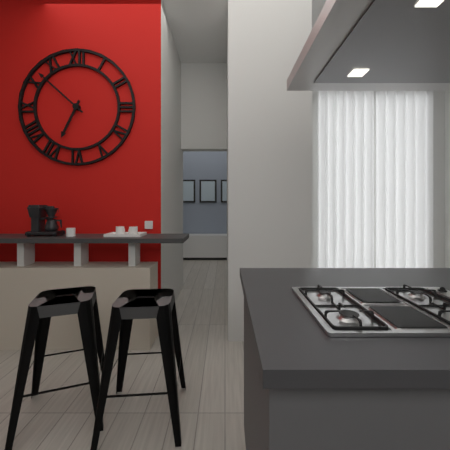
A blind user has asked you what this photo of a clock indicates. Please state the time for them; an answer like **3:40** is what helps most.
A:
**6:52**
